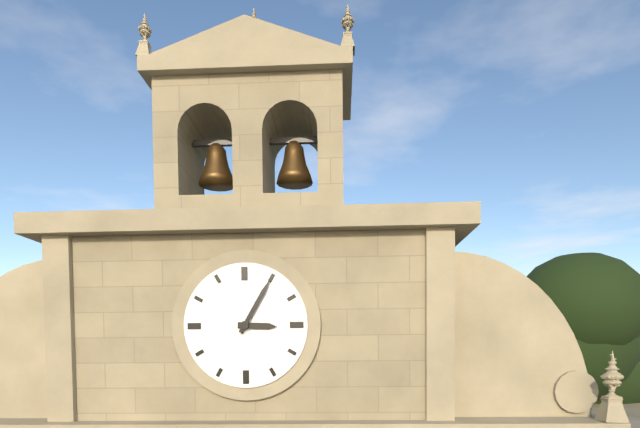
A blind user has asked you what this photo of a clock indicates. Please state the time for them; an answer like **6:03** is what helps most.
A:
**3:05**
